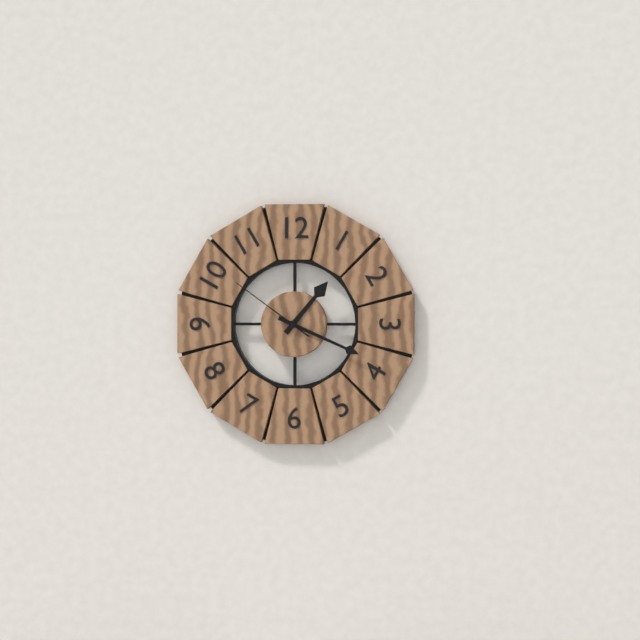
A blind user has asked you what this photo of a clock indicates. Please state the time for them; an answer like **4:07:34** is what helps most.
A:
**1:19:51**
